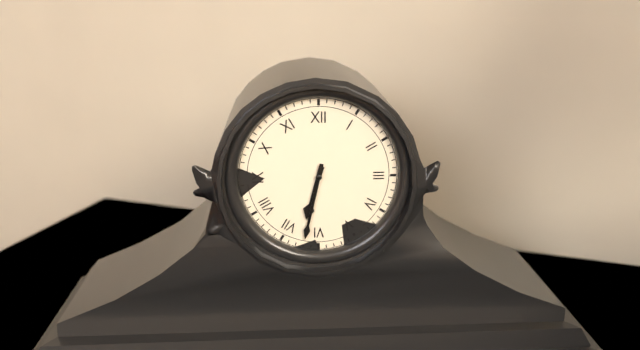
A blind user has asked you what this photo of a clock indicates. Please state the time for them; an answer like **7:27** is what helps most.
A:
**6:32**
